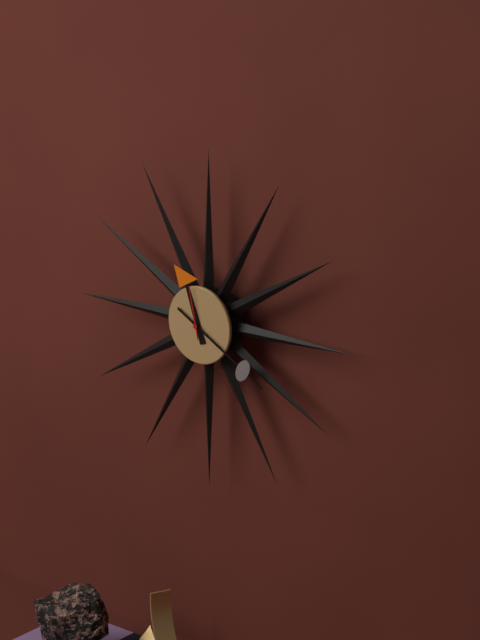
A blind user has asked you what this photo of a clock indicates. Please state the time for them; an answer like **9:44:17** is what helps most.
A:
**11:20:58**
